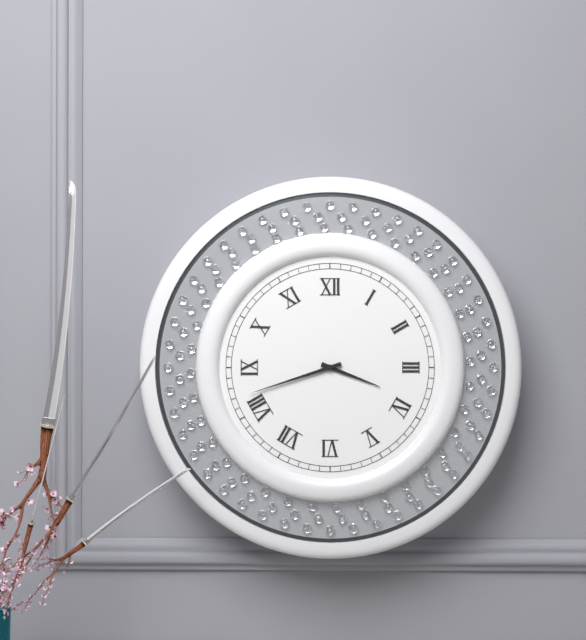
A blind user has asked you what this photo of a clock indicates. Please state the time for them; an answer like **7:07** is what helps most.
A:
**3:42**
